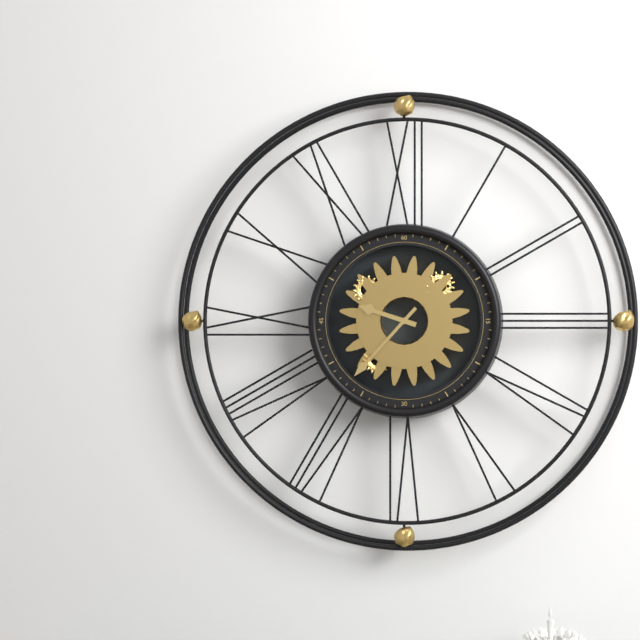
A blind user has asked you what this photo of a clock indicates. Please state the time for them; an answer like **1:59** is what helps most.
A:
**9:37**
